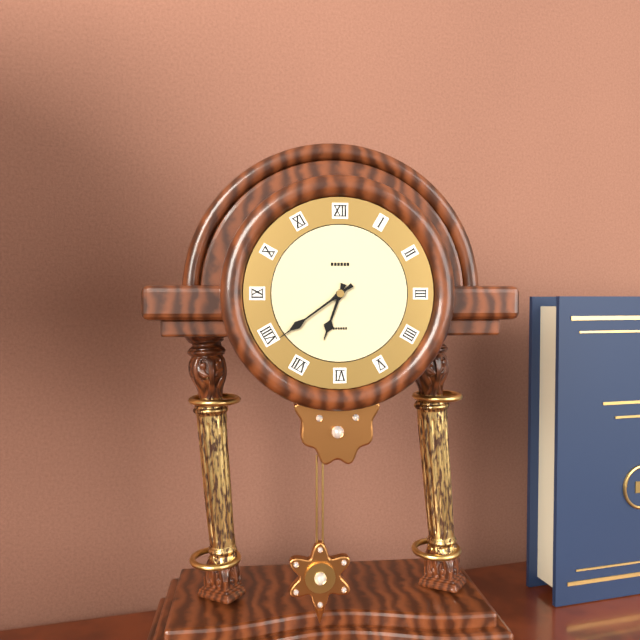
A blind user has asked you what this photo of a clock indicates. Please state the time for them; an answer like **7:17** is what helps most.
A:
**6:39**
